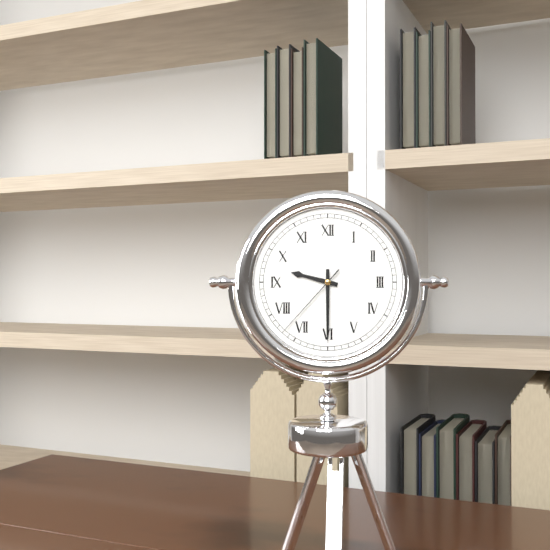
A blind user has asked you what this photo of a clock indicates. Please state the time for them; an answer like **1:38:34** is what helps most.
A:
**9:30:37**
